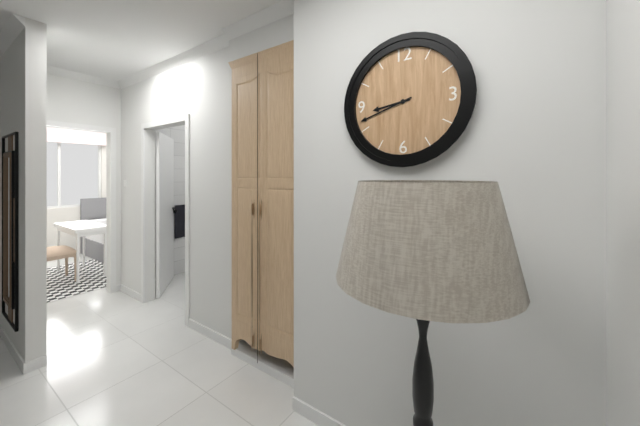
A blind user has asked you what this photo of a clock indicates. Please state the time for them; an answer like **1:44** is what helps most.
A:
**8:42**
